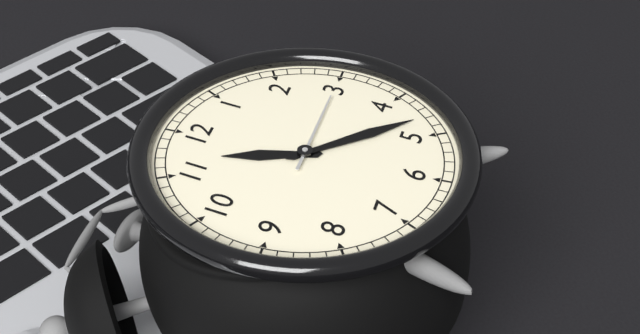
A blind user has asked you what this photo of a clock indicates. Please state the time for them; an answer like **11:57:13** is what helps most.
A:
**11:23:15**
